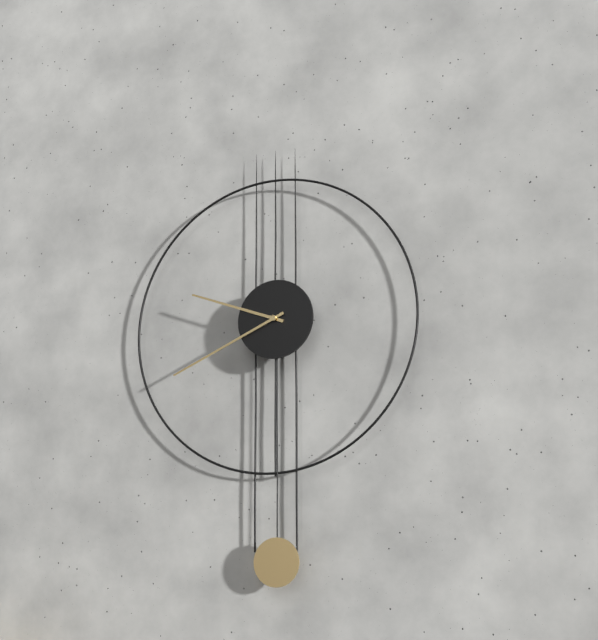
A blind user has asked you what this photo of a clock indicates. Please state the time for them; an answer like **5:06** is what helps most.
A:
**9:41**
